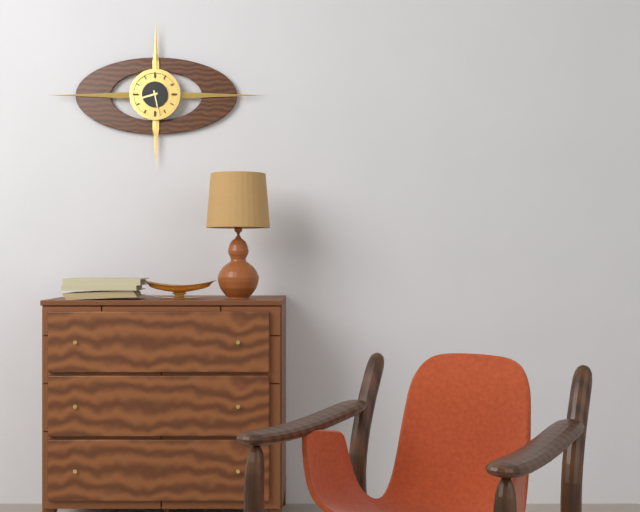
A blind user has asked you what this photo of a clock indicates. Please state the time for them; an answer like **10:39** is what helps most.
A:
**8:28**
